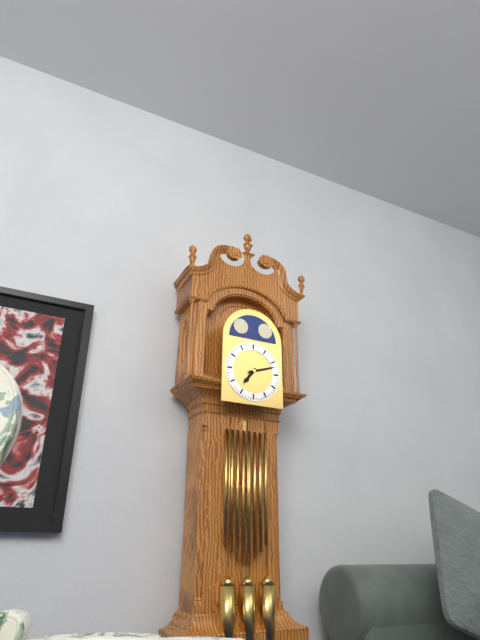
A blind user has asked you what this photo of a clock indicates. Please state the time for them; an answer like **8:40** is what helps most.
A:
**7:12**
